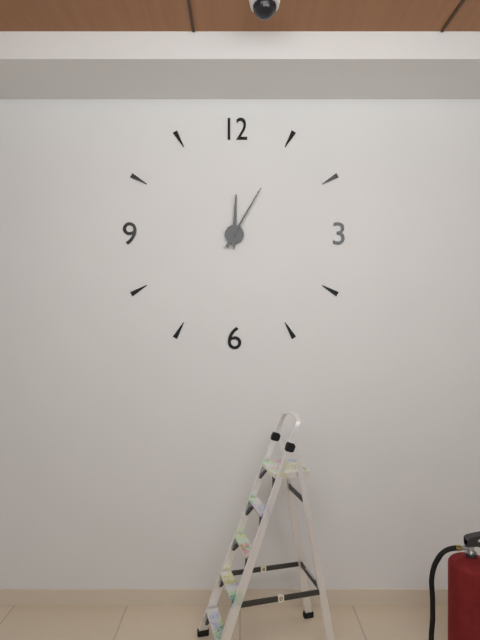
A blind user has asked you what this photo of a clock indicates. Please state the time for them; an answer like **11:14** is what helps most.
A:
**12:05**
